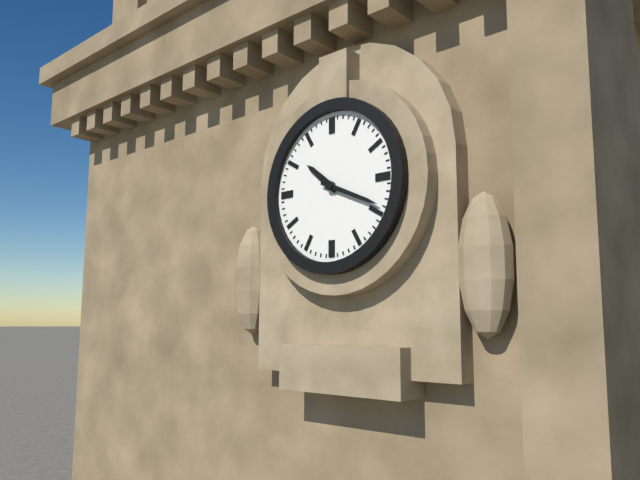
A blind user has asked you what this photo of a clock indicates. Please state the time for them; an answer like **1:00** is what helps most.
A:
**10:19**
